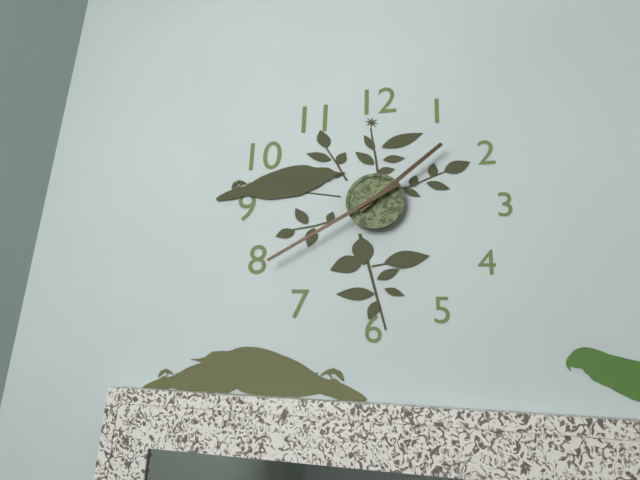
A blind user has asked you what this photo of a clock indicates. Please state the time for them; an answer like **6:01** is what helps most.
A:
**1:40**
